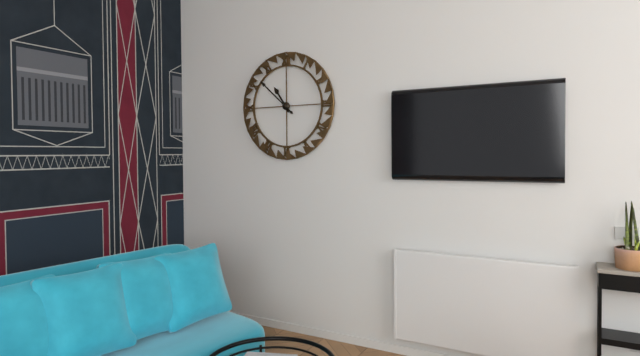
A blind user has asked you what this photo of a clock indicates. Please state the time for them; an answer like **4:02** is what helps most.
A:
**10:52**
